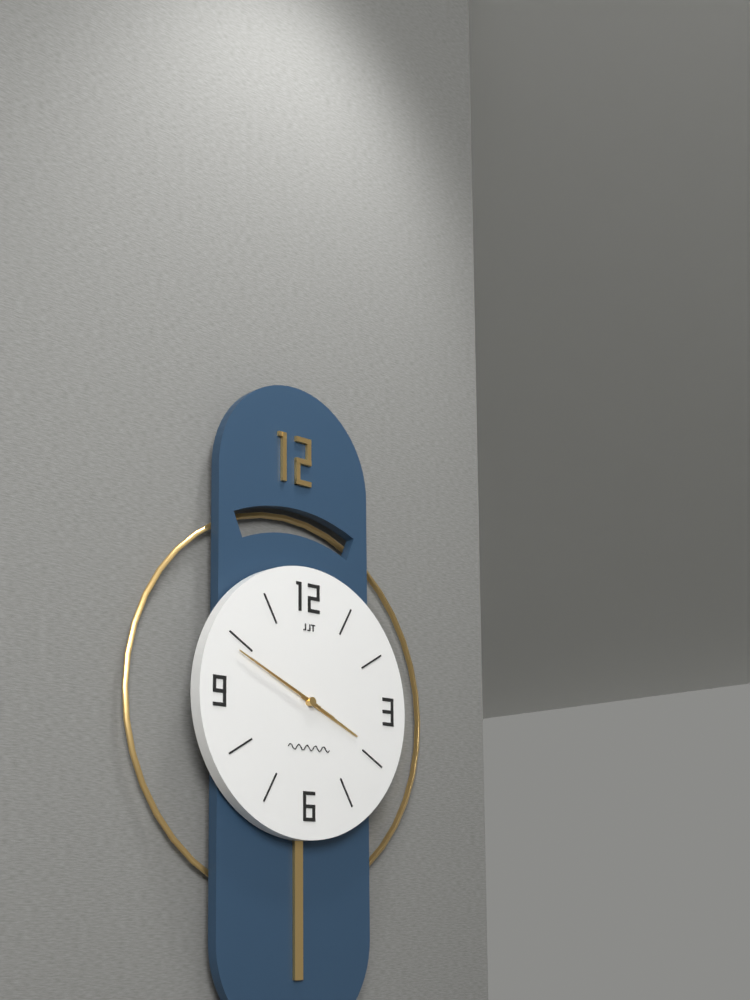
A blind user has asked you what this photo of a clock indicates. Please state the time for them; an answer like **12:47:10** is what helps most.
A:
**3:49:49**
